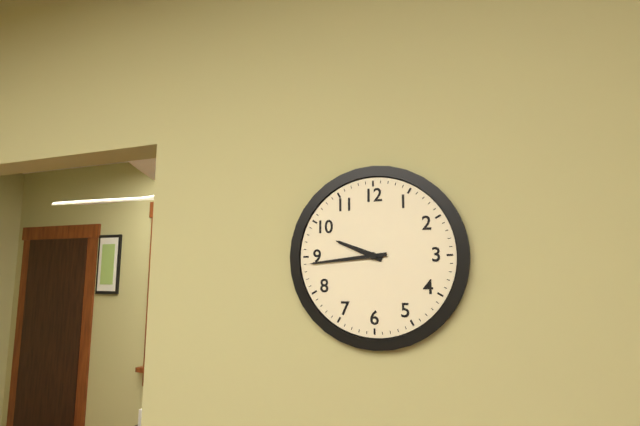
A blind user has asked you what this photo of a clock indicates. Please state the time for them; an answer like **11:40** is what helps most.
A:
**9:44**
